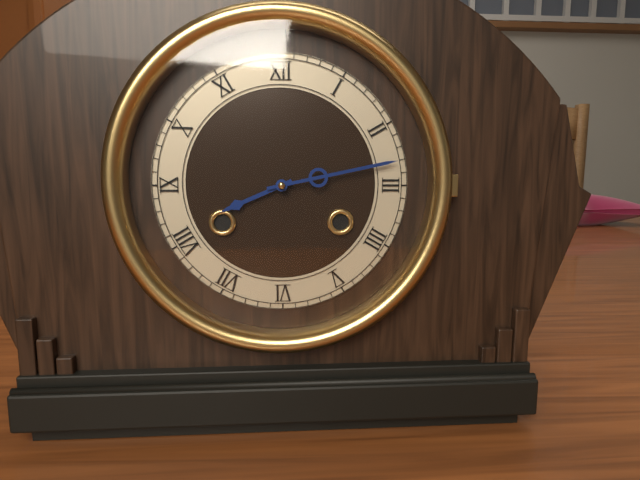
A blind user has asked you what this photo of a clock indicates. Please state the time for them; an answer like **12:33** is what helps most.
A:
**8:13**
